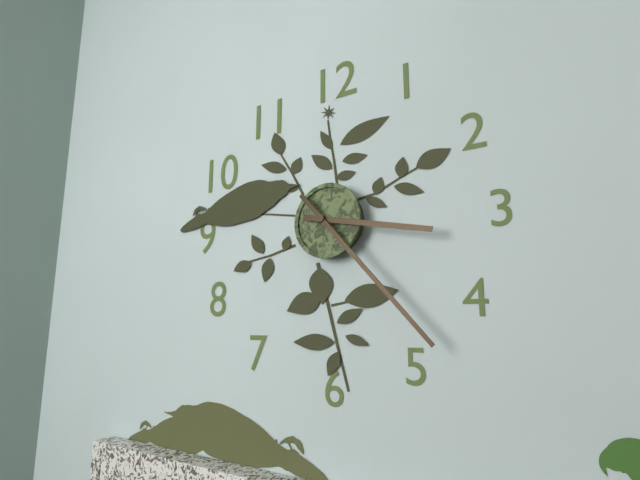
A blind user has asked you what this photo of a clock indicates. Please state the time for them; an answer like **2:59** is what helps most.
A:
**3:23**
